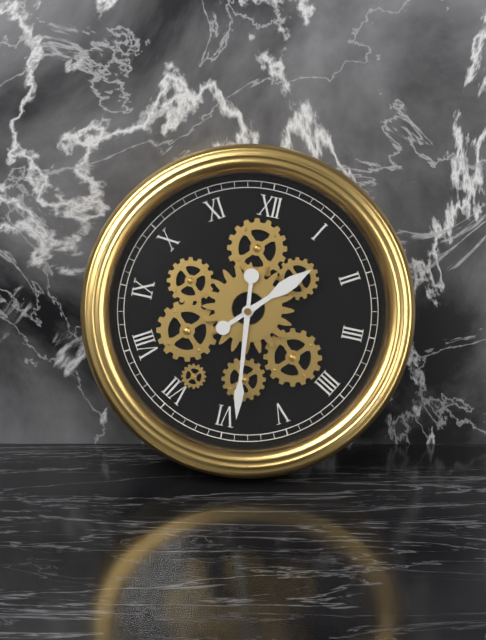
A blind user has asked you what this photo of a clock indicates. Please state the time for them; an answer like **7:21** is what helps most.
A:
**1:29**
